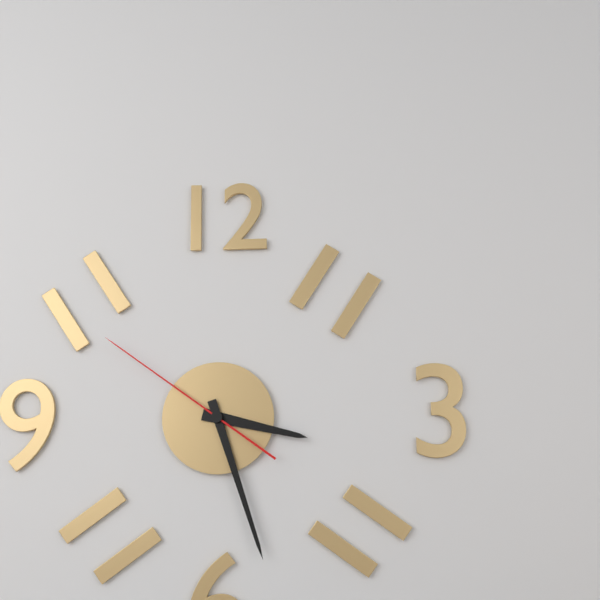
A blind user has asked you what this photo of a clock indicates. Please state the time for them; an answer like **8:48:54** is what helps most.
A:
**3:27:51**
